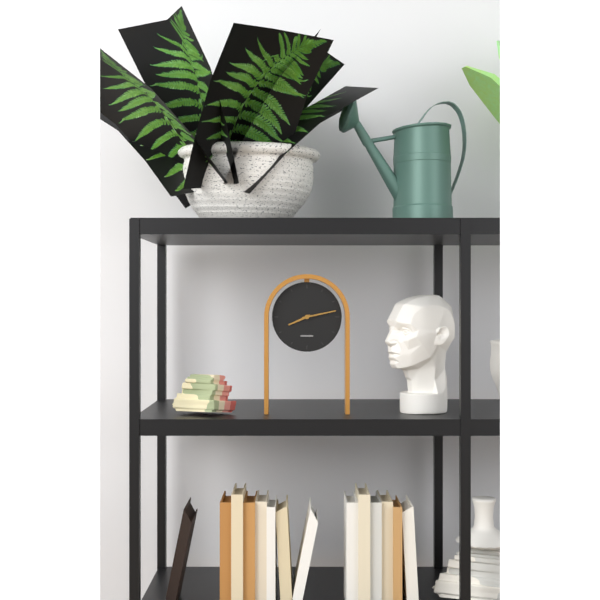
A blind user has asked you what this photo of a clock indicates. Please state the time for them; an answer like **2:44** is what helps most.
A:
**8:13**
